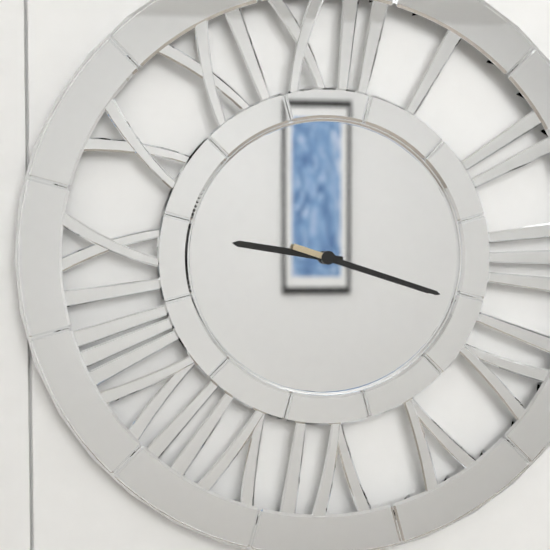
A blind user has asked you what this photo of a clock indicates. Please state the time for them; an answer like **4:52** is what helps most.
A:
**9:18**
